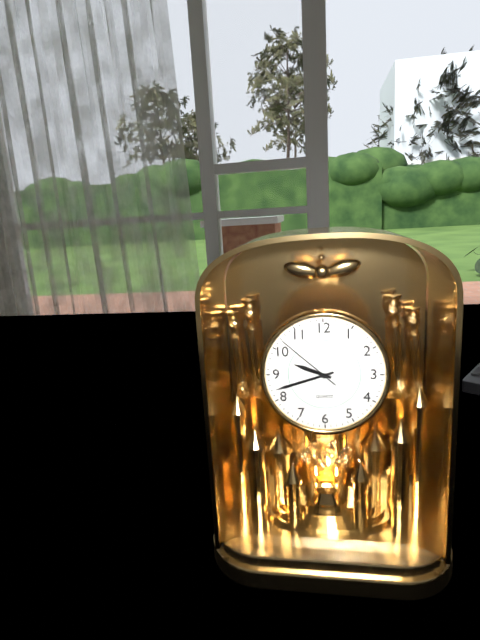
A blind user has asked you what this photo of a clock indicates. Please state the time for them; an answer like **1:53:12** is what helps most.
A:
**9:42:52**
